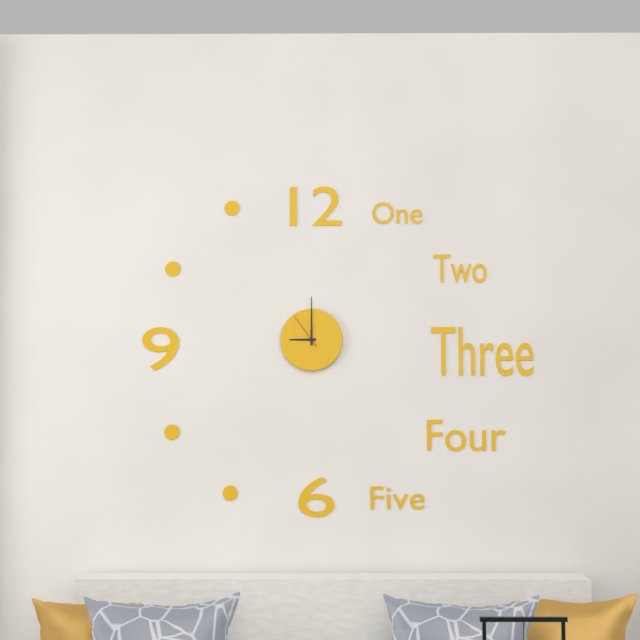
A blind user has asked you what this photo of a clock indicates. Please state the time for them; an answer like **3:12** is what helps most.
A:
**9:00**
